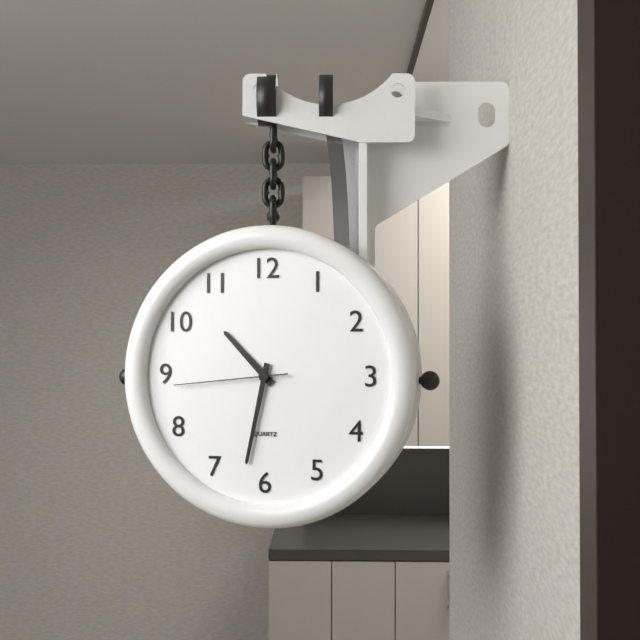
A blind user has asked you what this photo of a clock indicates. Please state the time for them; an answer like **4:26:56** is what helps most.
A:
**10:32:44**
